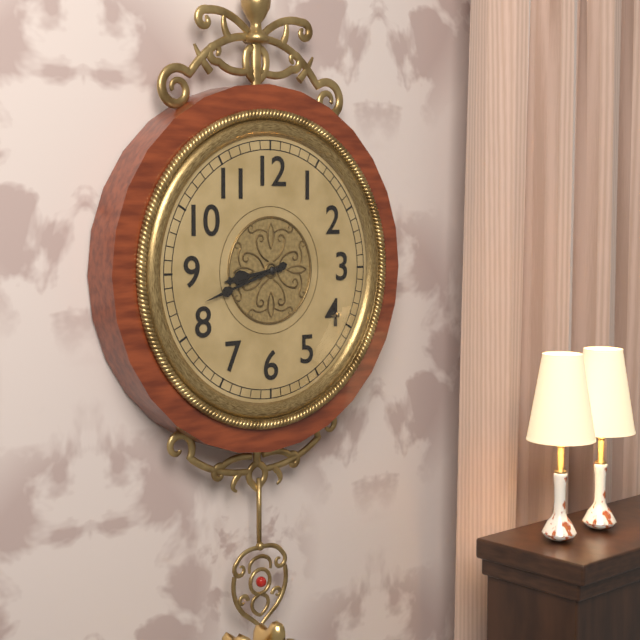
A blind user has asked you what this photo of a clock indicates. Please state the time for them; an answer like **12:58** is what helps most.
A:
**8:42**
